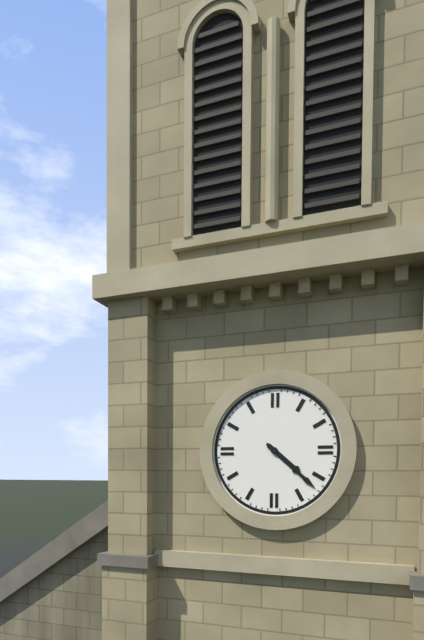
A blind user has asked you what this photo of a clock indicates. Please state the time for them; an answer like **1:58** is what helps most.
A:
**4:22**
